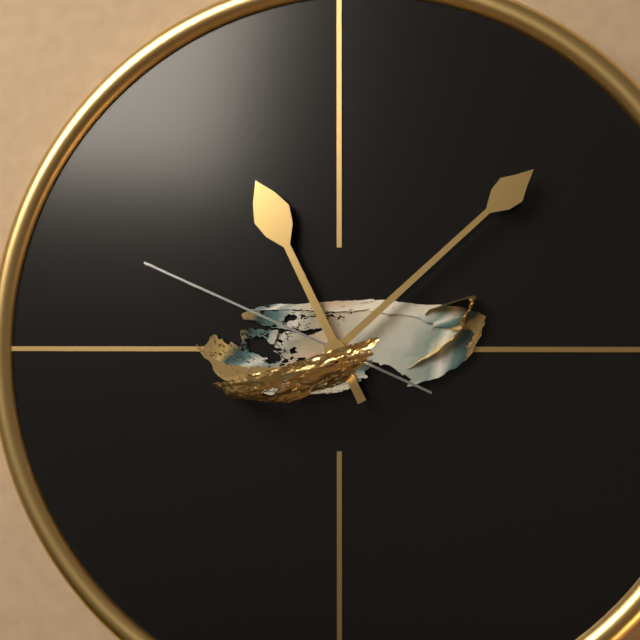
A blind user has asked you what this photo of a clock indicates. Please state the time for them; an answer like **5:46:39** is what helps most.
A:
**11:08:49**
